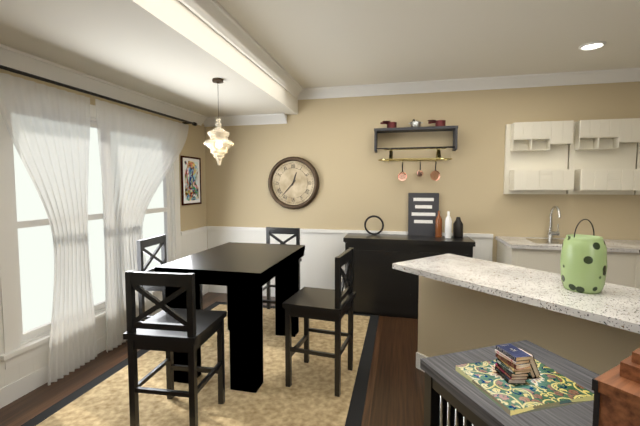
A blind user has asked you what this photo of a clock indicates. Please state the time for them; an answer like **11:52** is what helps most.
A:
**12:37**
